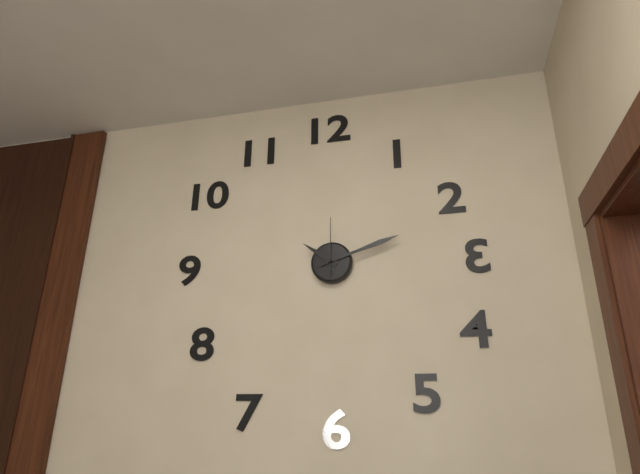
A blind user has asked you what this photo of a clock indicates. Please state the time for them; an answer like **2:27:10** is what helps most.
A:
**10:12:00**
